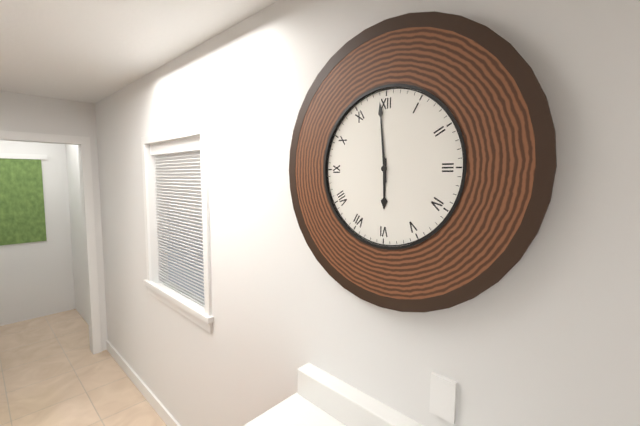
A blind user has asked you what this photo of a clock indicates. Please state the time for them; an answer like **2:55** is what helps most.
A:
**5:59**
